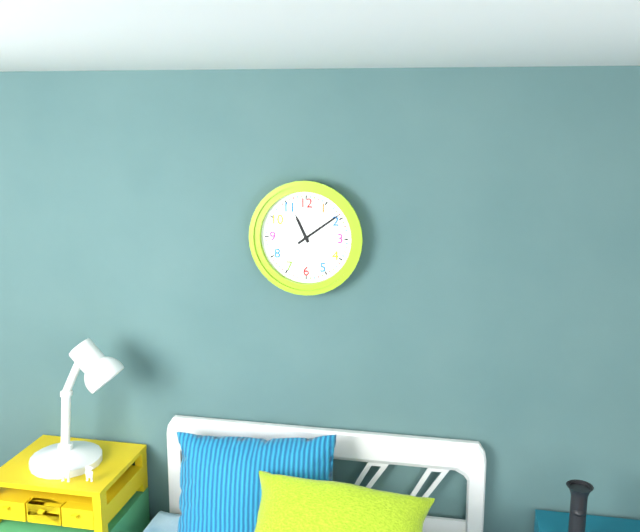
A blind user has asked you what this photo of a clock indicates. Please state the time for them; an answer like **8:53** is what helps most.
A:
**11:09**
